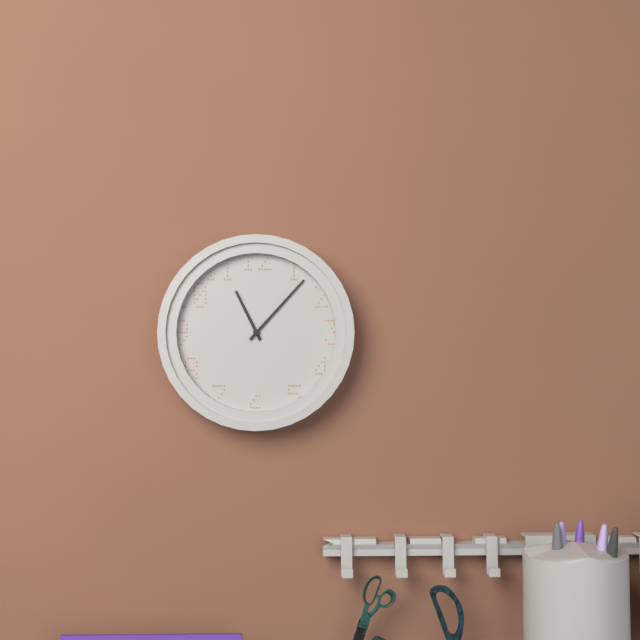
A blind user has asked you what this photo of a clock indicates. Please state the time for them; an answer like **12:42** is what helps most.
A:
**11:07**
